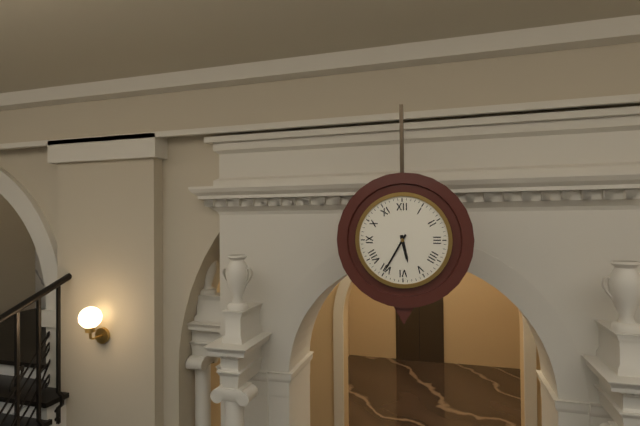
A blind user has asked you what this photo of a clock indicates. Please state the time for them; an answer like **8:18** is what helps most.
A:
**5:35**
